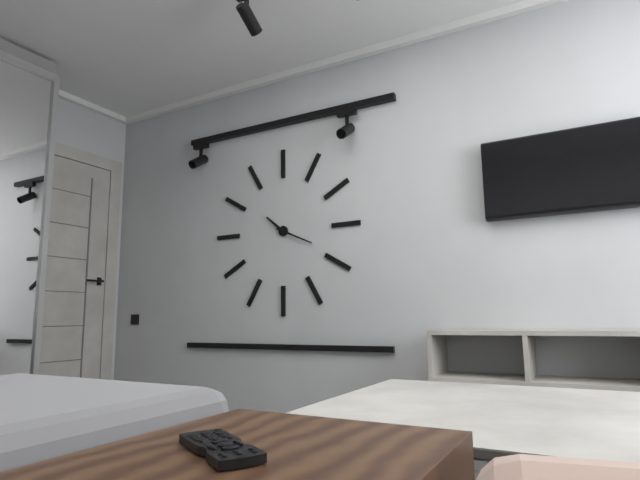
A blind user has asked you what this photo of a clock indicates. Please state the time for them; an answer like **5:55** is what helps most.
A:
**10:19**
